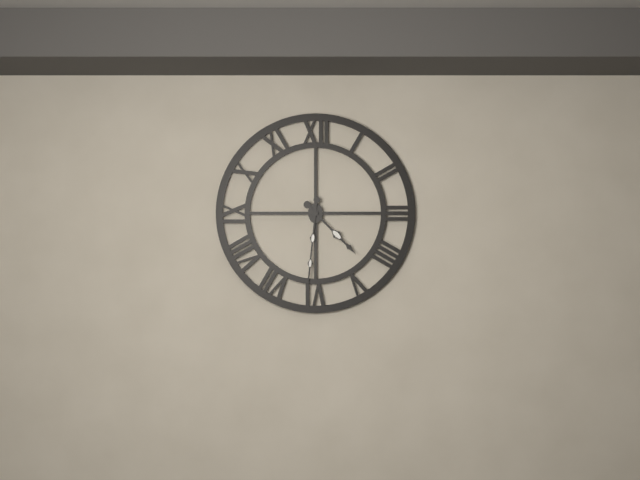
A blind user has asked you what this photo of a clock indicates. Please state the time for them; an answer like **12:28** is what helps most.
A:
**4:31**
